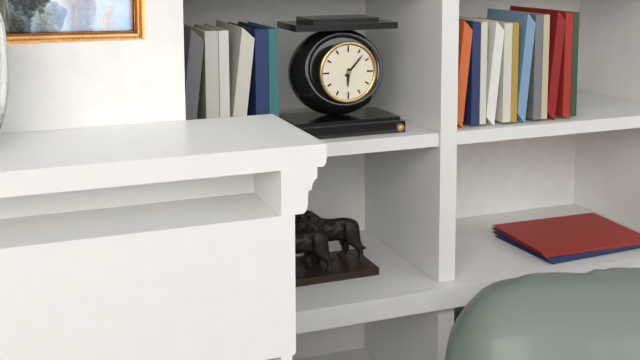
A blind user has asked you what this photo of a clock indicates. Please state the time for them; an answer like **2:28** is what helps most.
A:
**6:07**
